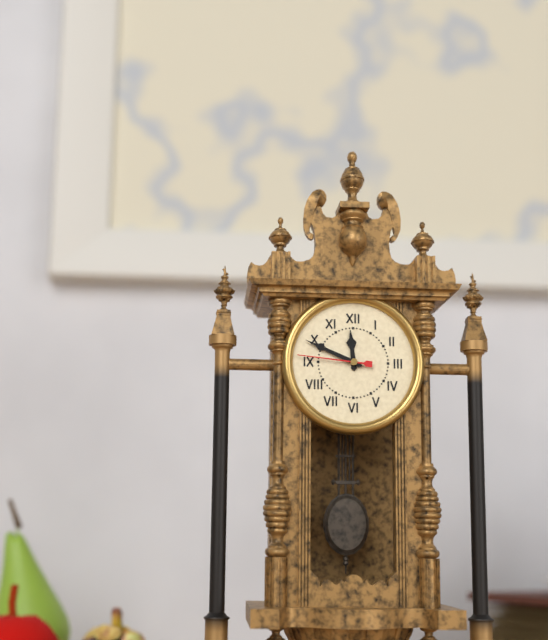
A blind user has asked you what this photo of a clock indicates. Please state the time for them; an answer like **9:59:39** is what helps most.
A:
**11:49:46**
